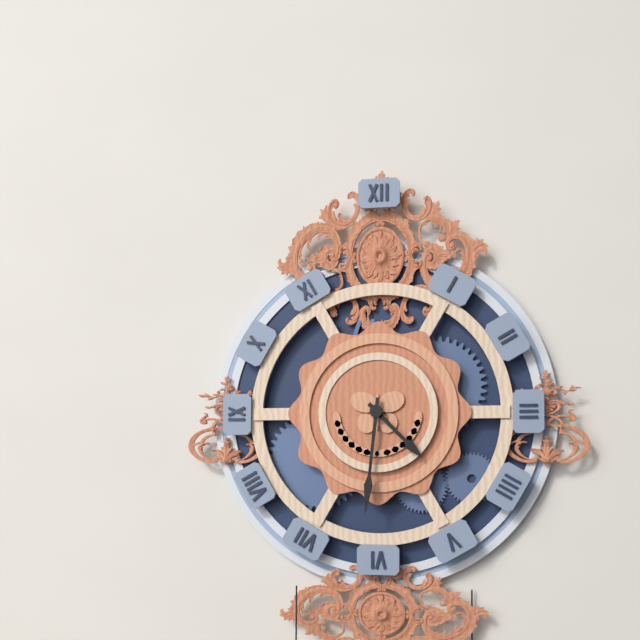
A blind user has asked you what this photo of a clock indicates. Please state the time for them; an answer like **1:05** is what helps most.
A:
**4:31**
